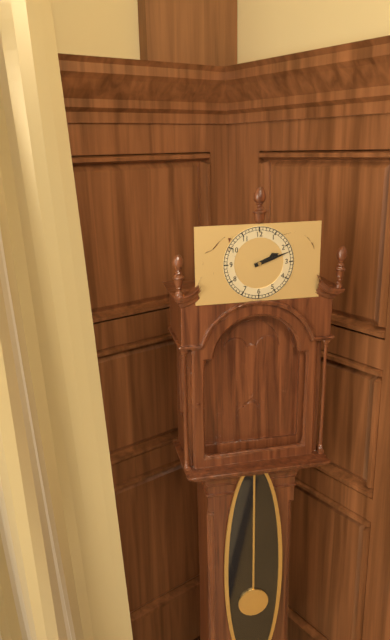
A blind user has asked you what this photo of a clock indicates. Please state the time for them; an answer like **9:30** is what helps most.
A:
**2:12**
